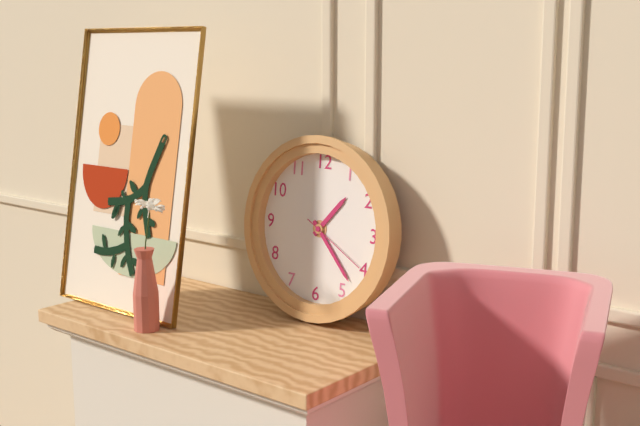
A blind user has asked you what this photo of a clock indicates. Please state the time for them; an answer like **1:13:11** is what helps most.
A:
**1:23:20**
